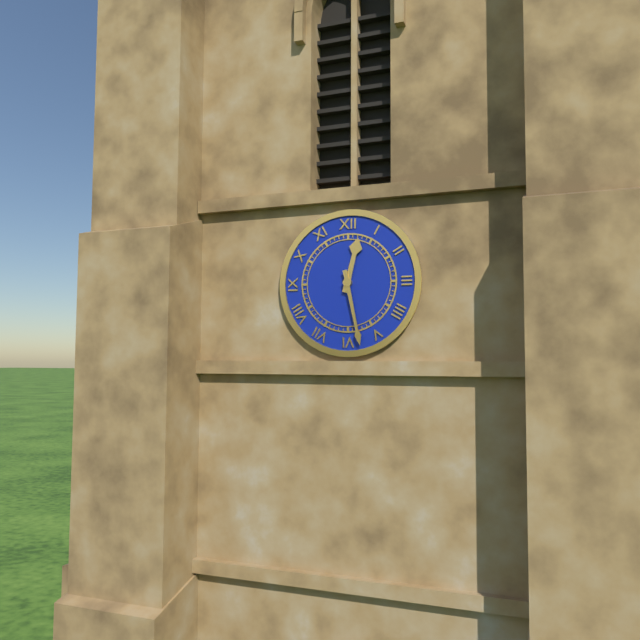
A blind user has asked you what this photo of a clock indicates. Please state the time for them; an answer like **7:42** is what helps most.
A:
**12:28**
